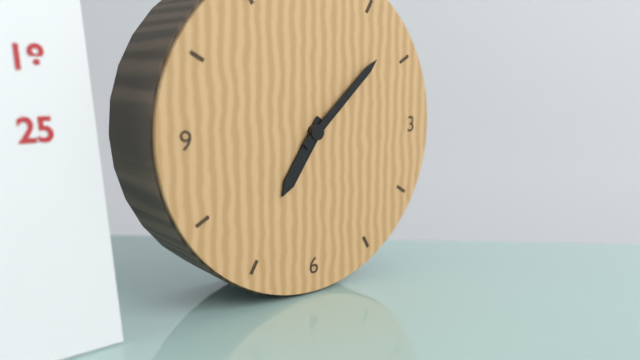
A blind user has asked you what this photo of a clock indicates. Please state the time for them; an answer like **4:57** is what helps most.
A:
**7:08**
